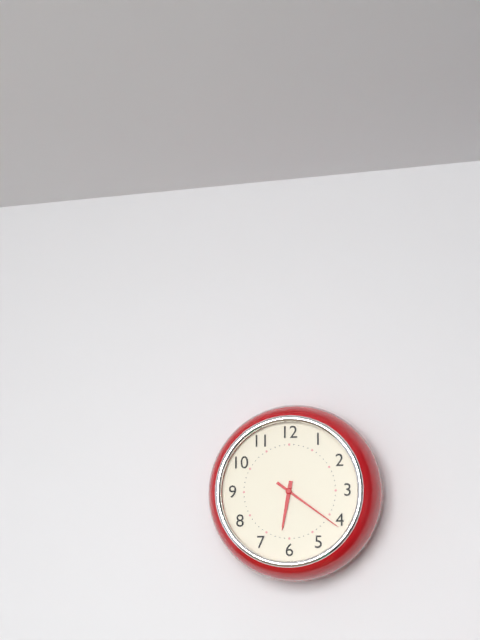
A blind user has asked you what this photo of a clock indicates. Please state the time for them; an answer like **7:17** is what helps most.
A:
**6:21**
